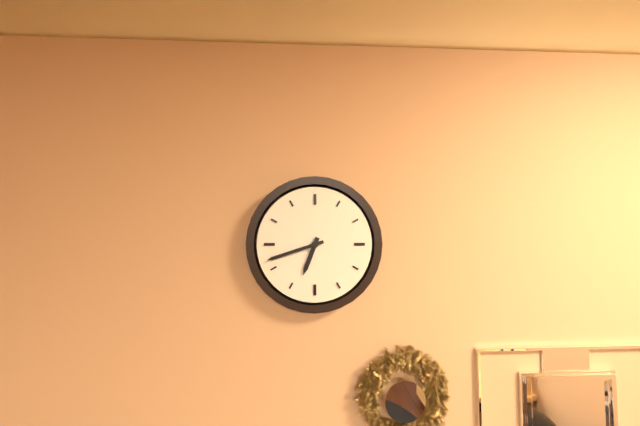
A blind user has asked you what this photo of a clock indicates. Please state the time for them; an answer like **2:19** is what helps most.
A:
**6:42**
